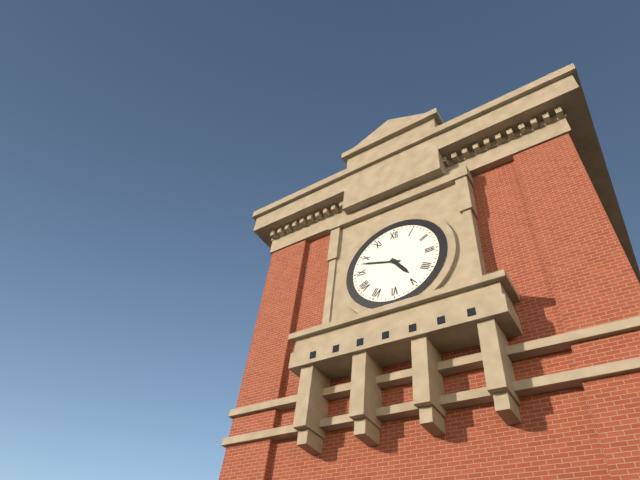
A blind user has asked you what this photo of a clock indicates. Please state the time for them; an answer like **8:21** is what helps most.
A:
**4:48**
